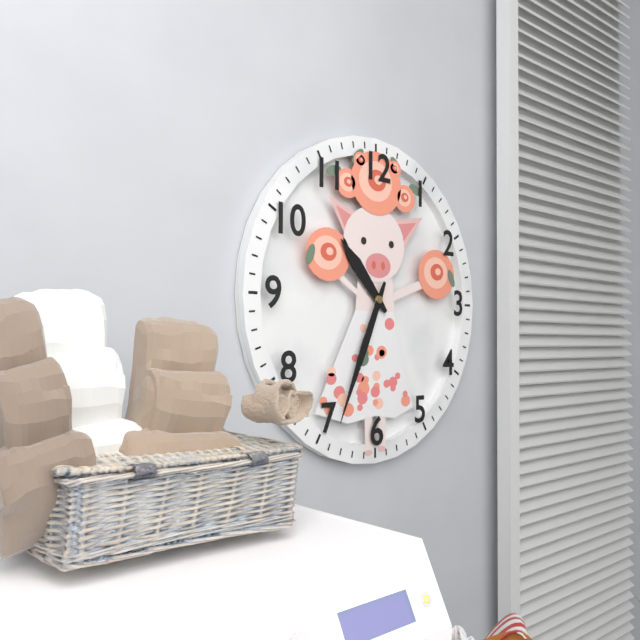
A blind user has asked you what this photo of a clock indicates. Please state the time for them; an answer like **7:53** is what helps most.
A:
**10:34**
